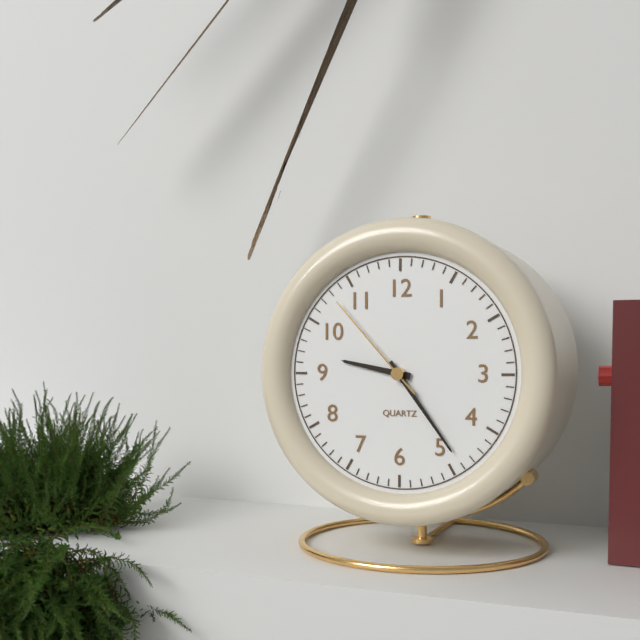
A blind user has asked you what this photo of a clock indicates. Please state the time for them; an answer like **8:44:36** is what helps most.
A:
**9:24:53**
